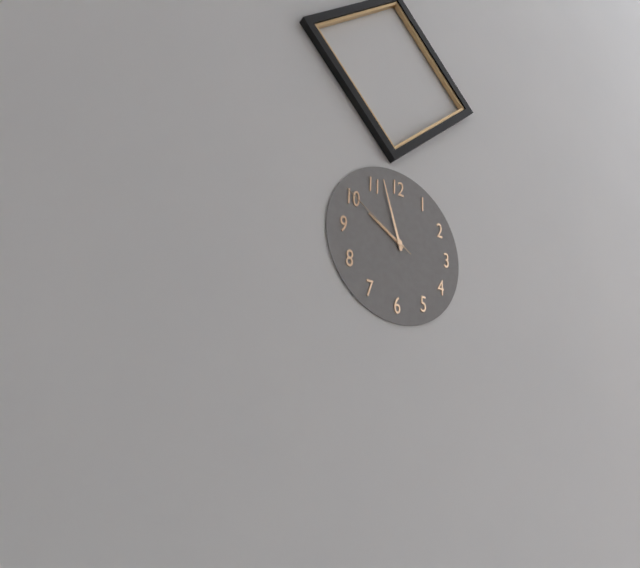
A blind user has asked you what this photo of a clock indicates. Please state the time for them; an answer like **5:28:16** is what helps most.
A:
**9:57:50**
